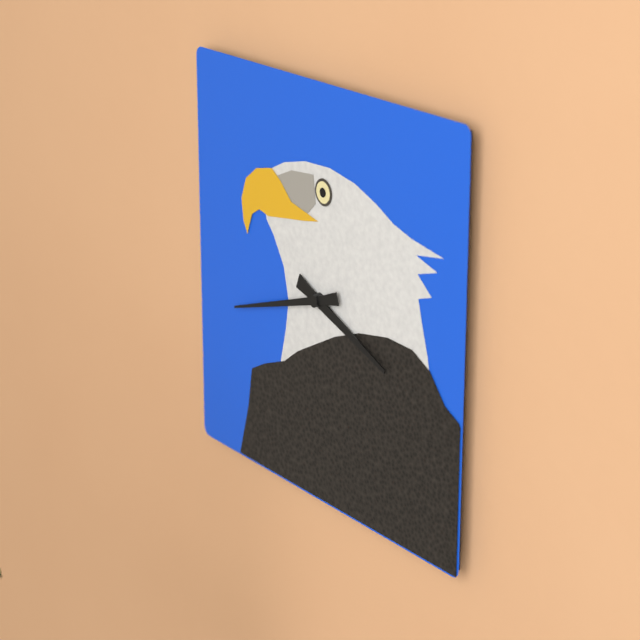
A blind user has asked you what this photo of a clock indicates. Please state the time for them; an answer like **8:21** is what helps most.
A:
**3:42**
